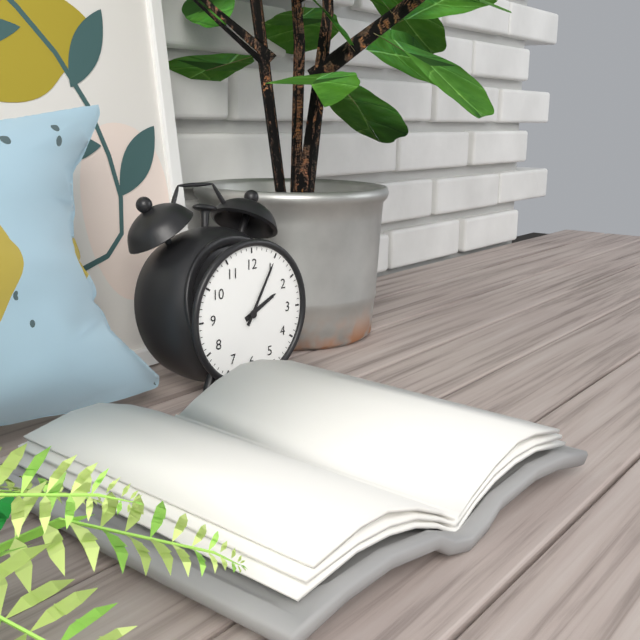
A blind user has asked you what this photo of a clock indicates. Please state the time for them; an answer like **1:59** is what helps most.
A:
**2:05**
